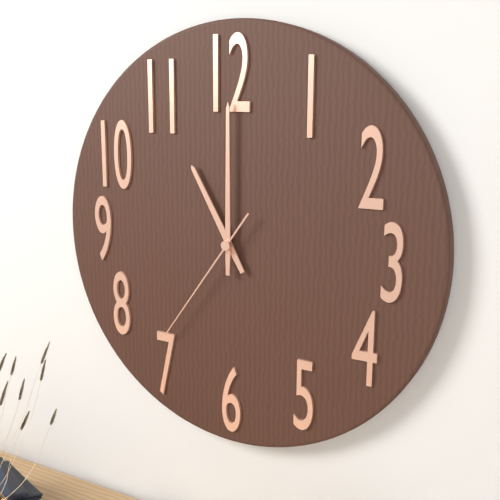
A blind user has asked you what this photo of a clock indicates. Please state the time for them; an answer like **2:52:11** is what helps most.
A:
**11:00:36**
